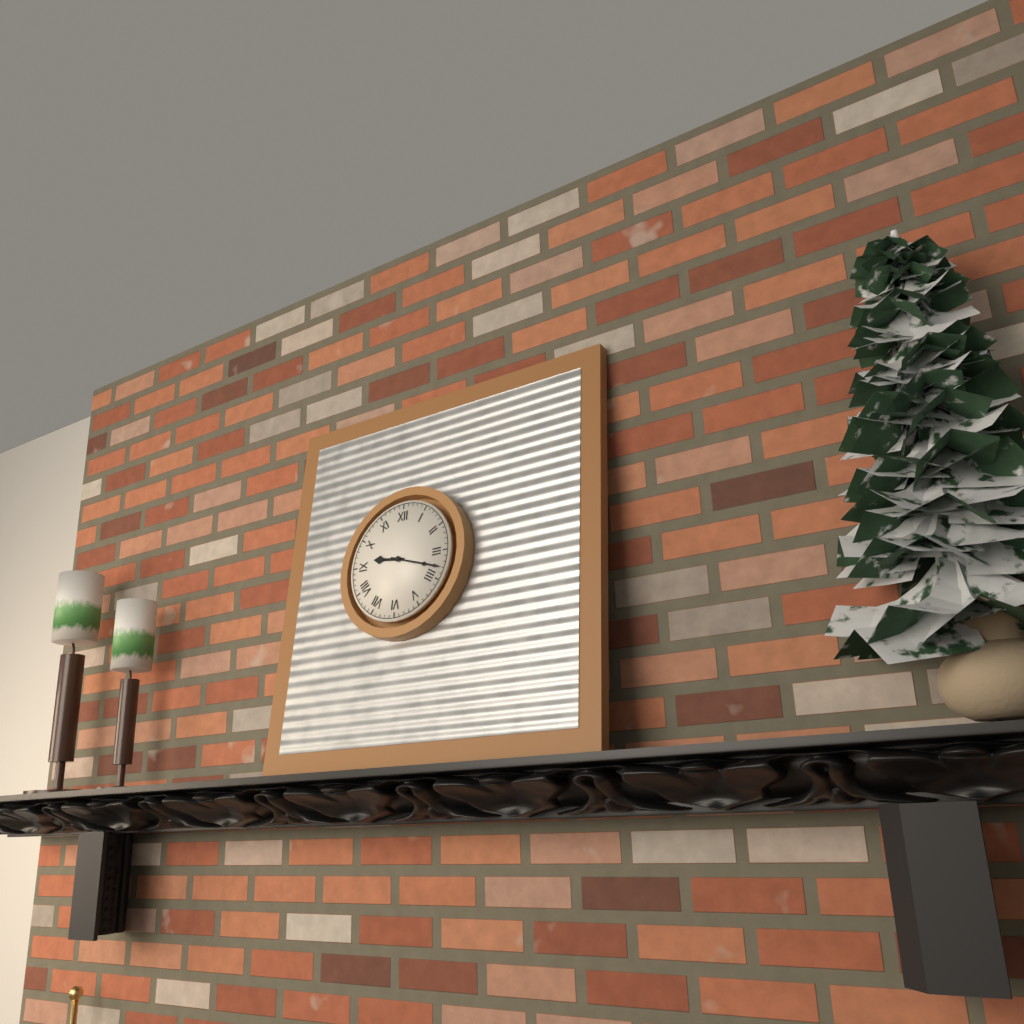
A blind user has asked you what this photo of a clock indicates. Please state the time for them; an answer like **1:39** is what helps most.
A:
**9:18**
